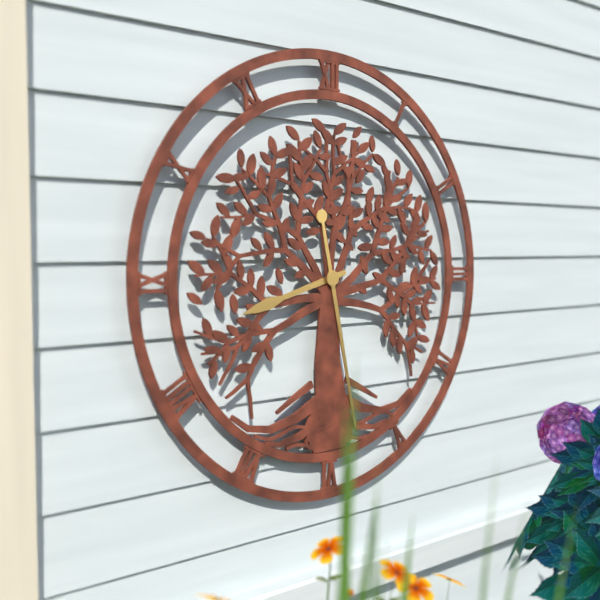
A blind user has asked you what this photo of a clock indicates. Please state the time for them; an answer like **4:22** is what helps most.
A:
**8:28**
